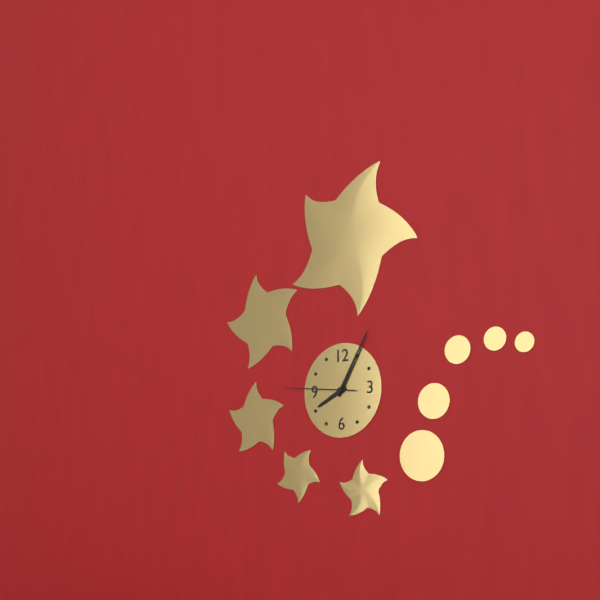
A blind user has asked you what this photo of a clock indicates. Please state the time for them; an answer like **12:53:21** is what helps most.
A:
**8:05:46**
